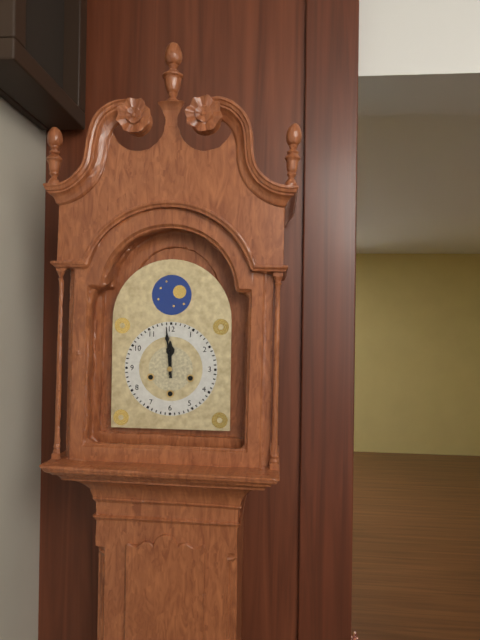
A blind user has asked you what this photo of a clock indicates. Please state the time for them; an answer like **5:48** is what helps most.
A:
**11:59**
